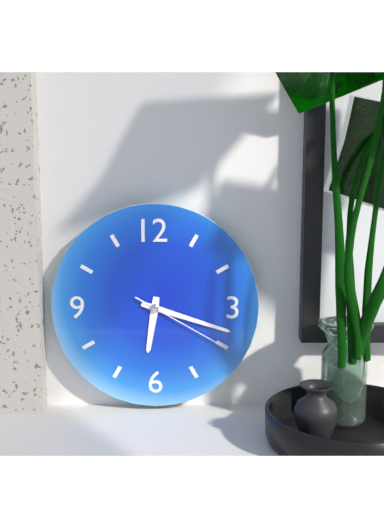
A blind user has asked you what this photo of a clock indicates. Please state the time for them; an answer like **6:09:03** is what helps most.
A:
**6:18:20**
